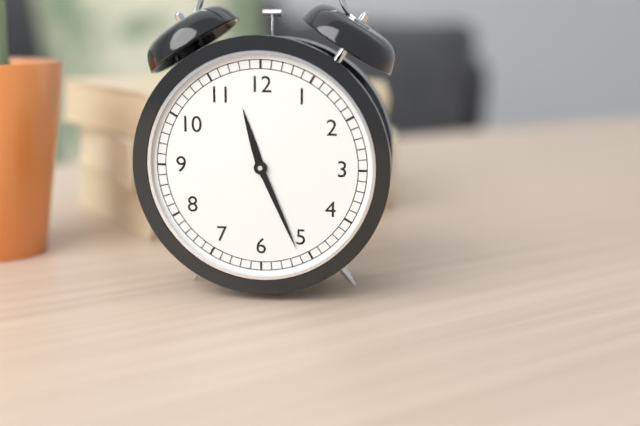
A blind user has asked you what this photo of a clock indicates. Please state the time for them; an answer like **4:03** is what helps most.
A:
**11:26**
